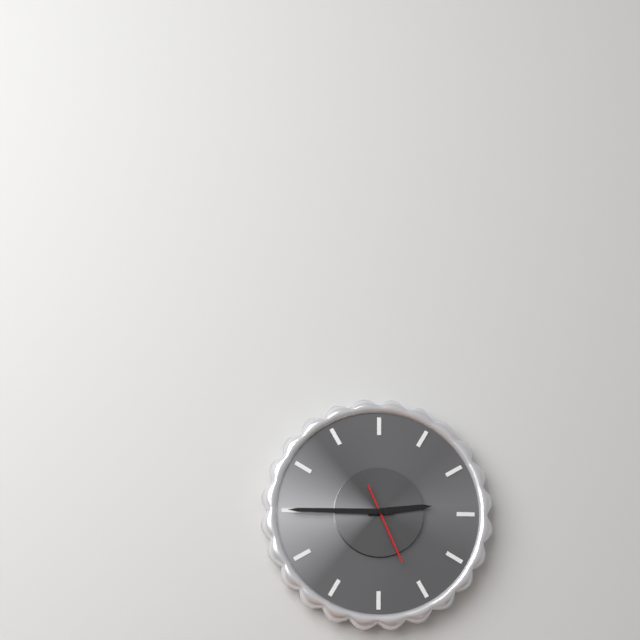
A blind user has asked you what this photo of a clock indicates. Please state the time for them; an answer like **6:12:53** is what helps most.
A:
**2:45:26**
